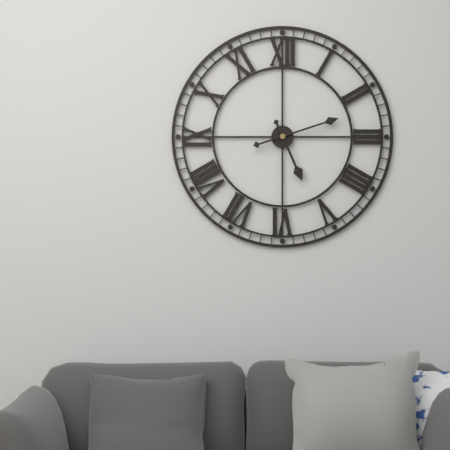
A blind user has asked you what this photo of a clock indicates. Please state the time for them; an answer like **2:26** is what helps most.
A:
**5:12**
